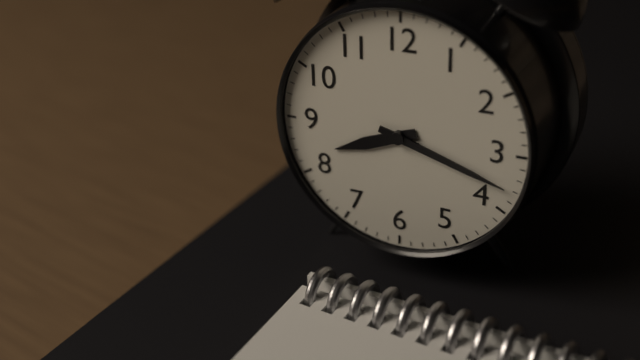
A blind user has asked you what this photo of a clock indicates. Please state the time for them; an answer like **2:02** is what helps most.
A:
**8:18**
